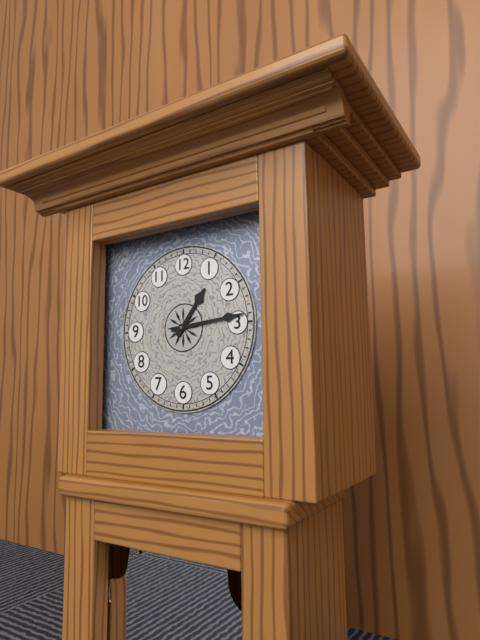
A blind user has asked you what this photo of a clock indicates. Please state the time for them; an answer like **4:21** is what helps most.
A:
**1:14**
